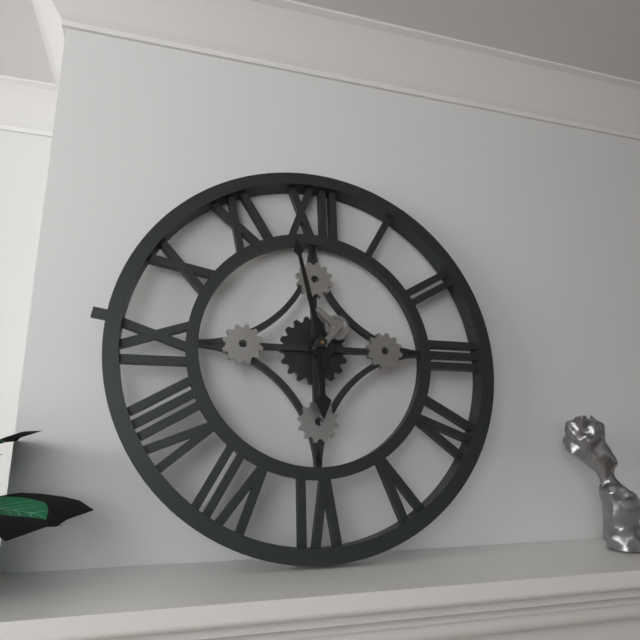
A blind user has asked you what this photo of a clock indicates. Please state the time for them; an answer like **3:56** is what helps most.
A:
**5:58**
